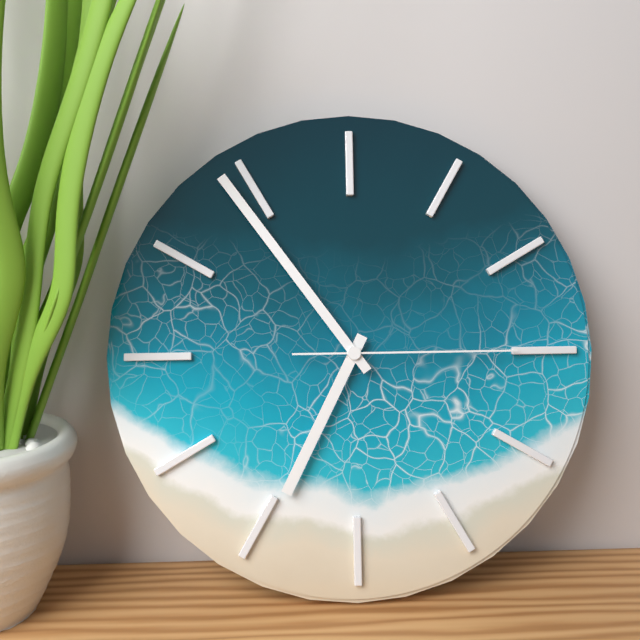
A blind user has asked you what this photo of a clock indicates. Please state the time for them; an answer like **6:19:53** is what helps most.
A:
**6:54:15**
